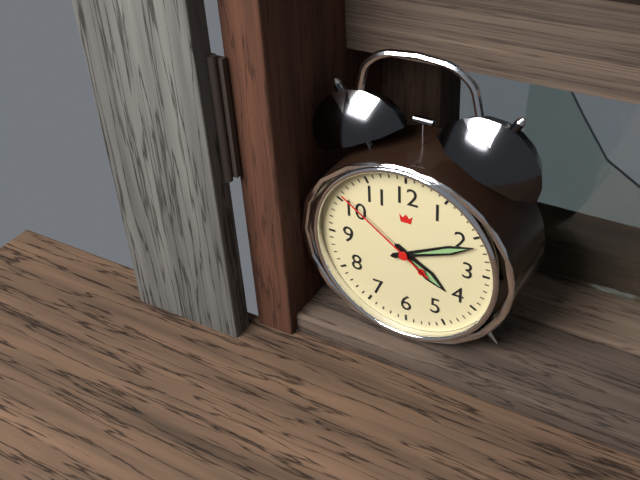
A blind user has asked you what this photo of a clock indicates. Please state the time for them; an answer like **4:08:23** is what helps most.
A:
**4:11:51**
